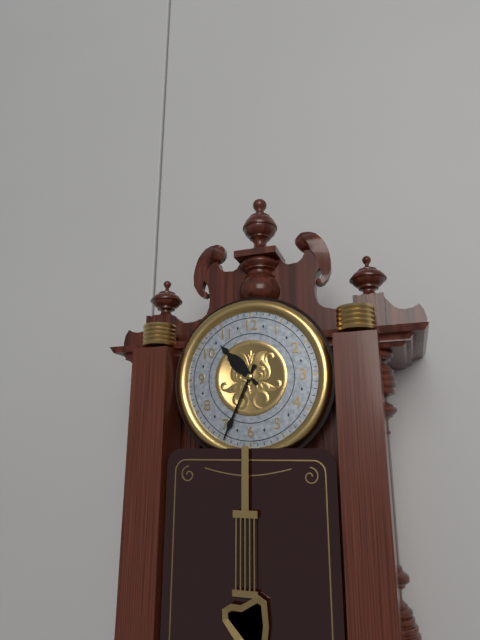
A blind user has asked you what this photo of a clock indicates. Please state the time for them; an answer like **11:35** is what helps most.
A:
**10:34**
